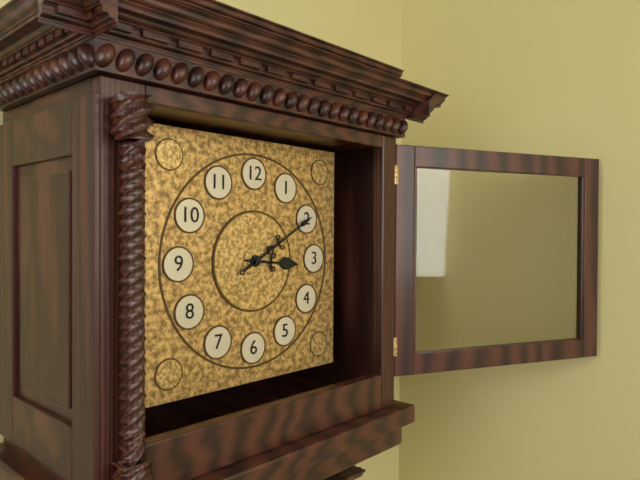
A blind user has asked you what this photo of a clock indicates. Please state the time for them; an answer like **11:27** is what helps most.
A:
**3:10**
